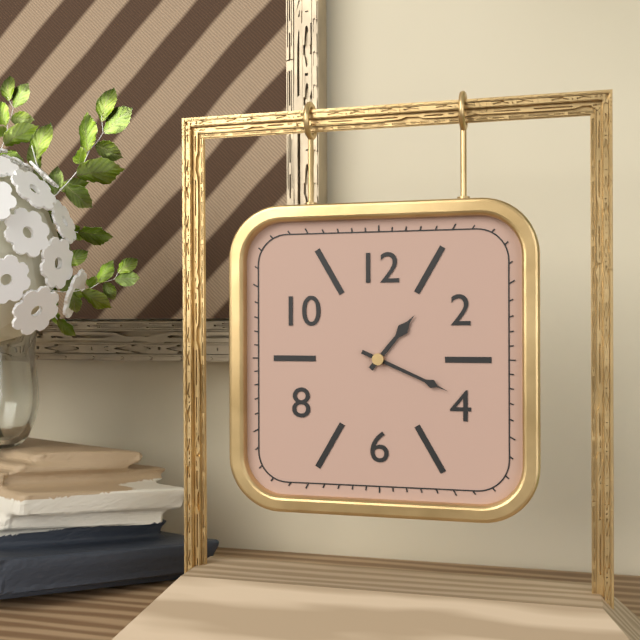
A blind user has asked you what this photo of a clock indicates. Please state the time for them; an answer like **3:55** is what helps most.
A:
**1:19**
